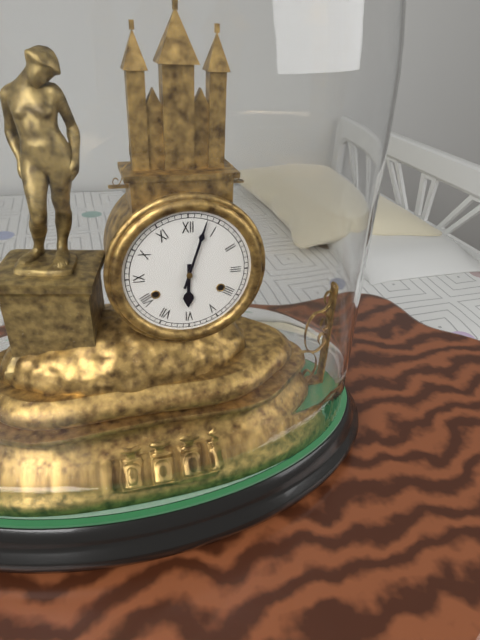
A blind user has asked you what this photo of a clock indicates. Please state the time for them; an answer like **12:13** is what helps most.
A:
**6:03**
